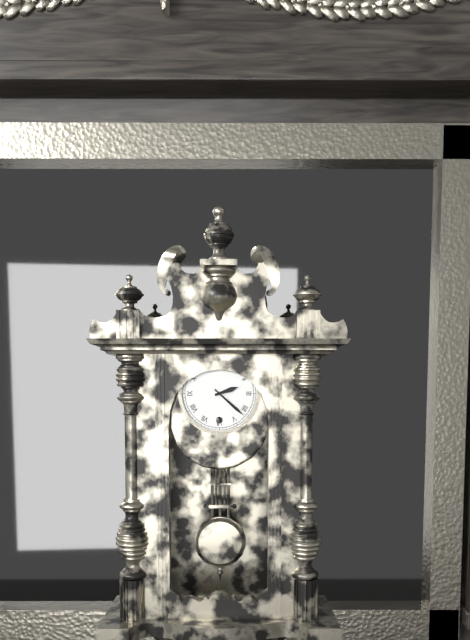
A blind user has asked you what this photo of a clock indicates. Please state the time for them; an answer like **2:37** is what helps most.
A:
**2:22**
